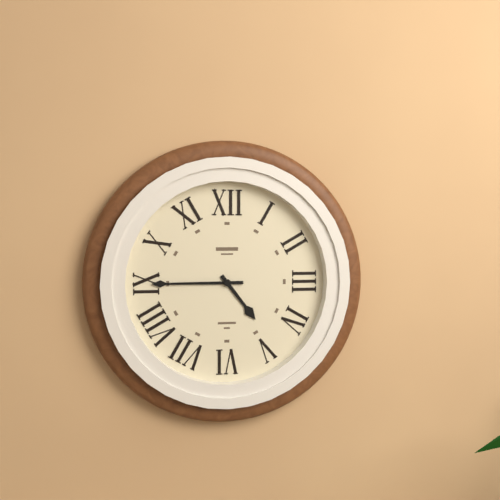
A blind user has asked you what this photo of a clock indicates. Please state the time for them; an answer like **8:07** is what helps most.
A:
**4:45**
